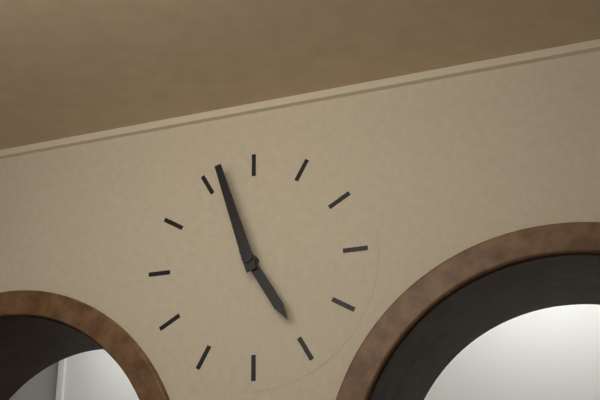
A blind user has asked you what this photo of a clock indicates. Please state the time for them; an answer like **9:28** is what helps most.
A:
**4:57**
